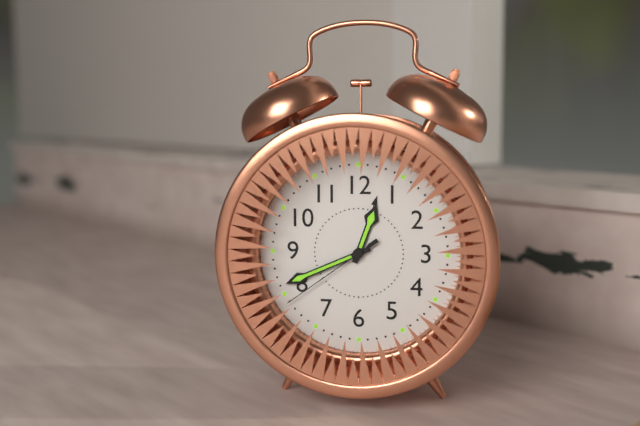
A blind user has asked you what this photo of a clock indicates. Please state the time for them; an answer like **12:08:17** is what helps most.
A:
**12:41:39**
